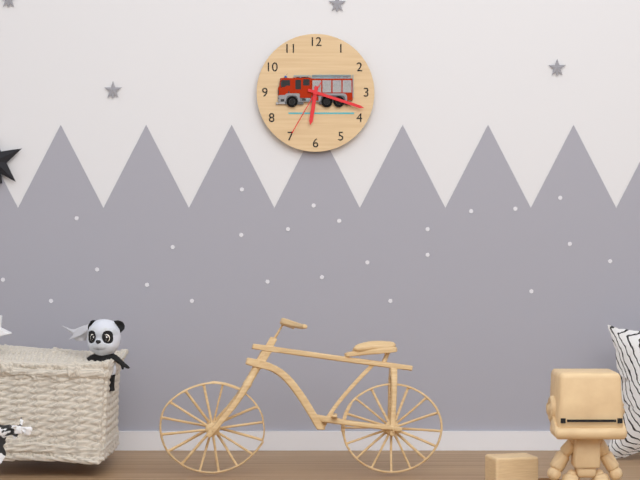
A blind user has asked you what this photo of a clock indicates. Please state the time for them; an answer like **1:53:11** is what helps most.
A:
**6:18:35**
